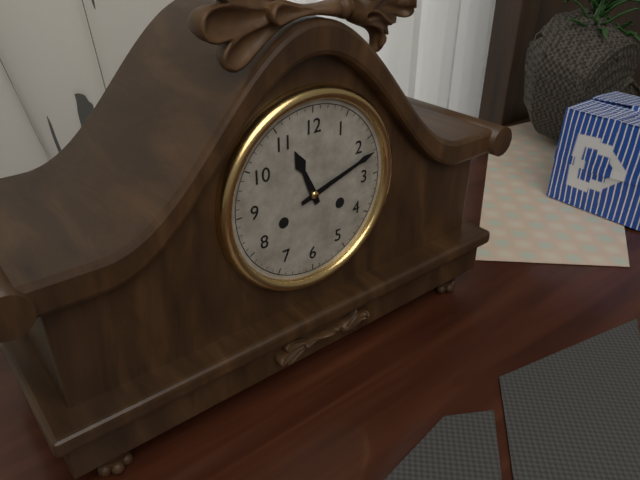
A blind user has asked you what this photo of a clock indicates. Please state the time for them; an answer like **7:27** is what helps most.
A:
**11:12**
